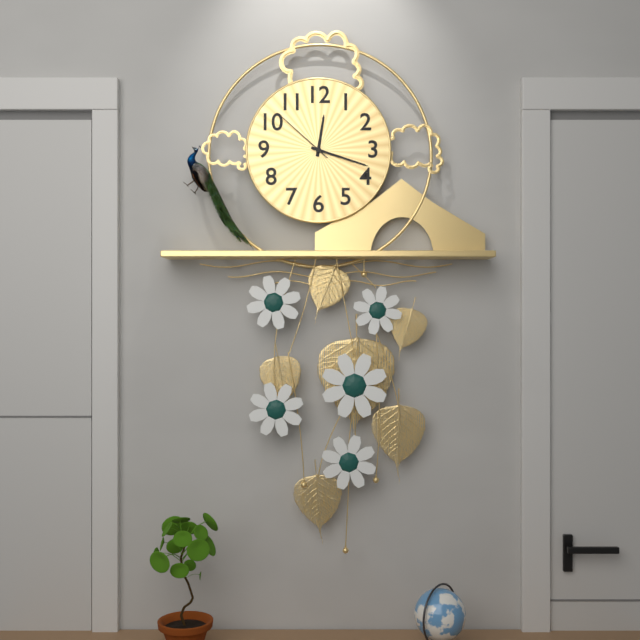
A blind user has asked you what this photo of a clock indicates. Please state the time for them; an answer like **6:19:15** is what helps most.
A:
**12:18:52**
